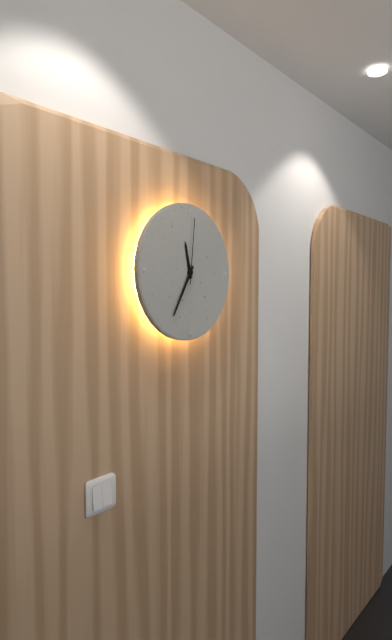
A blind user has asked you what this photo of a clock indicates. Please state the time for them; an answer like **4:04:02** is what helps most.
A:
**11:35:01**
